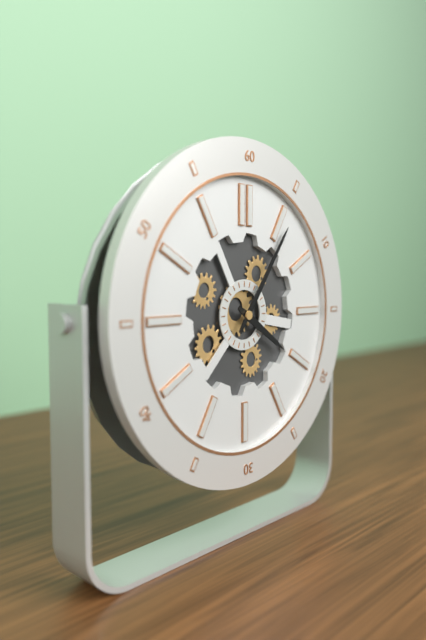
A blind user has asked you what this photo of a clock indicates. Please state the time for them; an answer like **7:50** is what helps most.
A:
**4:06**
